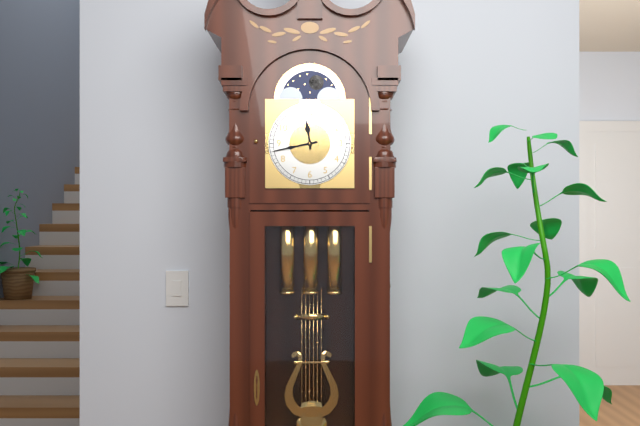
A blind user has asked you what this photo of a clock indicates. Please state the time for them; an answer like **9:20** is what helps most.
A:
**11:43**
